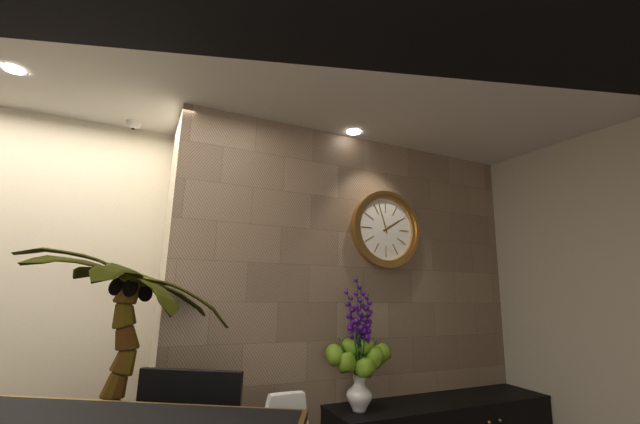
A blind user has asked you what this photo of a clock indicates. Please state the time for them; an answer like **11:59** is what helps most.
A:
**1:57**
